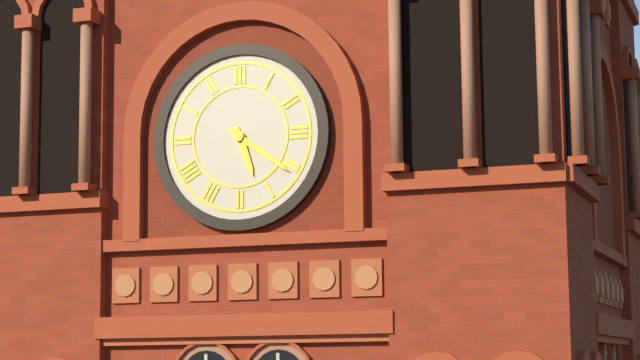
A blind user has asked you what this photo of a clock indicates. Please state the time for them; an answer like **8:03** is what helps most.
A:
**5:21**
